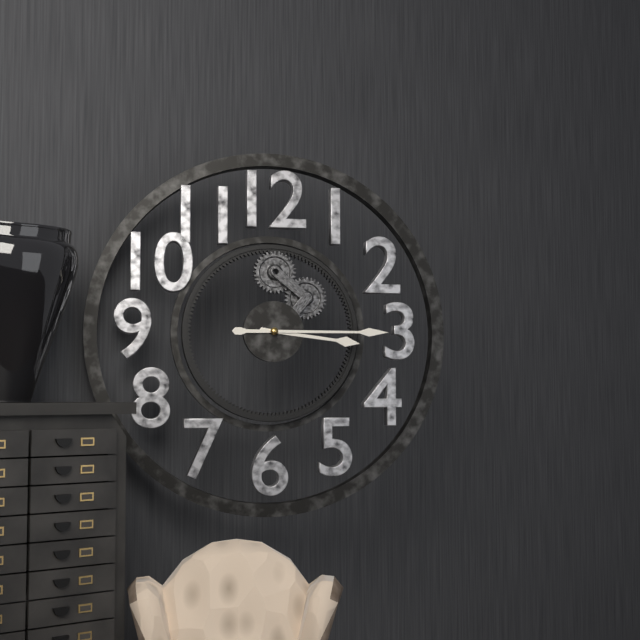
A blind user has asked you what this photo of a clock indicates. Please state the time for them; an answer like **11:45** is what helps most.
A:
**3:15**
